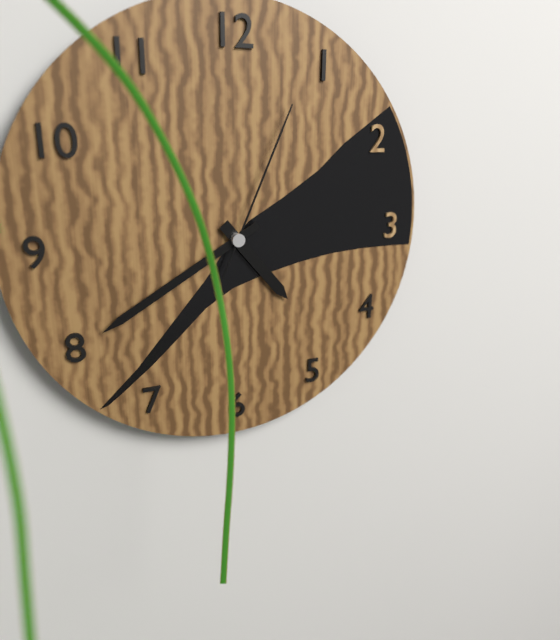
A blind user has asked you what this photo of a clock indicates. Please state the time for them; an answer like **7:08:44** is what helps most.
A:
**4:40:04**
